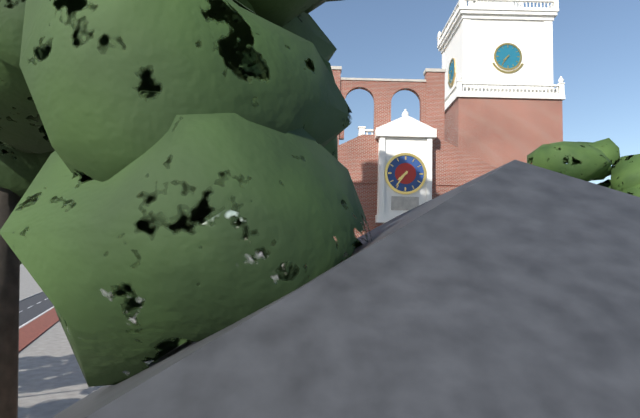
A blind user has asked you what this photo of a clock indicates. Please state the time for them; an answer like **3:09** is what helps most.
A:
**7:36**
